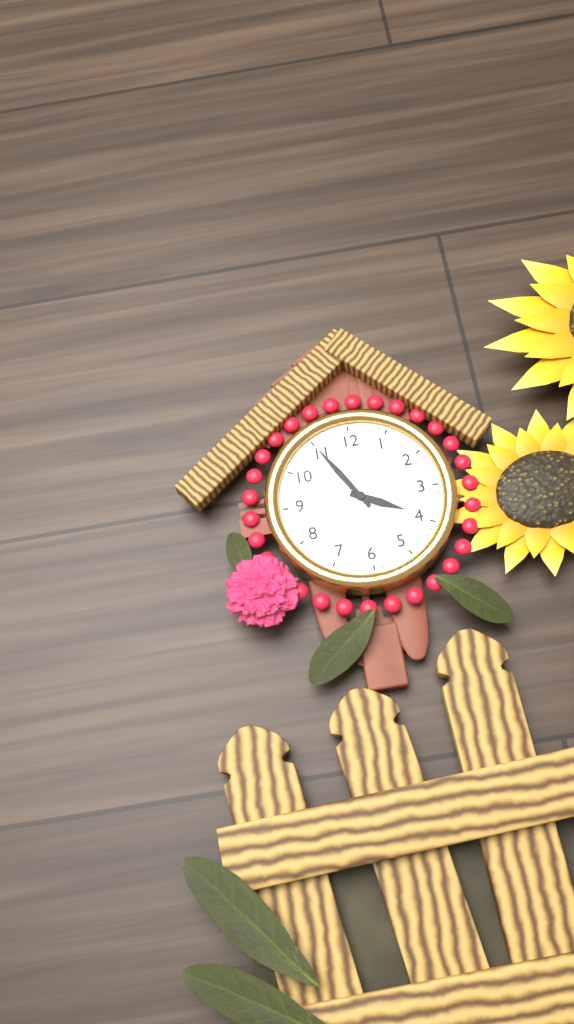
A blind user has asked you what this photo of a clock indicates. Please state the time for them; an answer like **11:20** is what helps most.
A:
**3:55**
